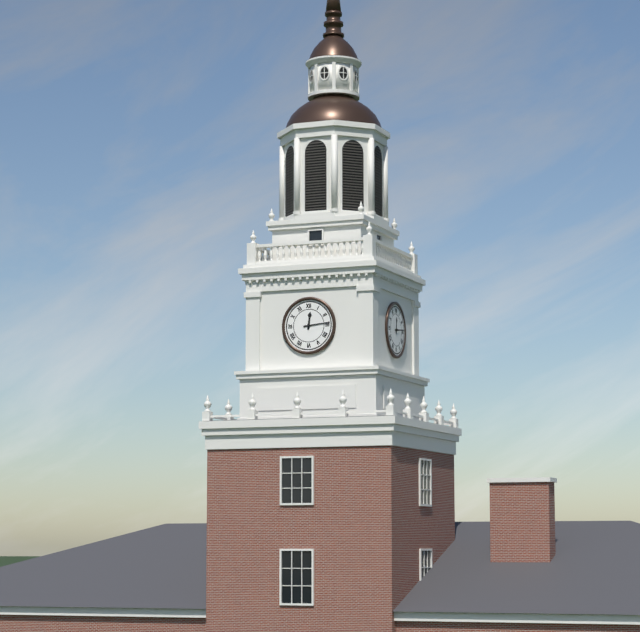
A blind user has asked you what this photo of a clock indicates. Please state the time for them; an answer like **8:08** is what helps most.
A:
**12:14**
